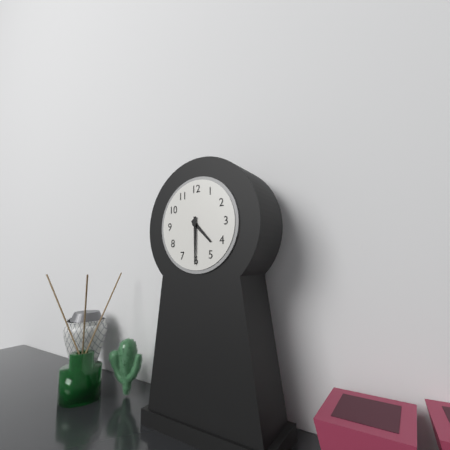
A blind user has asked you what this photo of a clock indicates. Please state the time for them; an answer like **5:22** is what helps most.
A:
**4:30**
